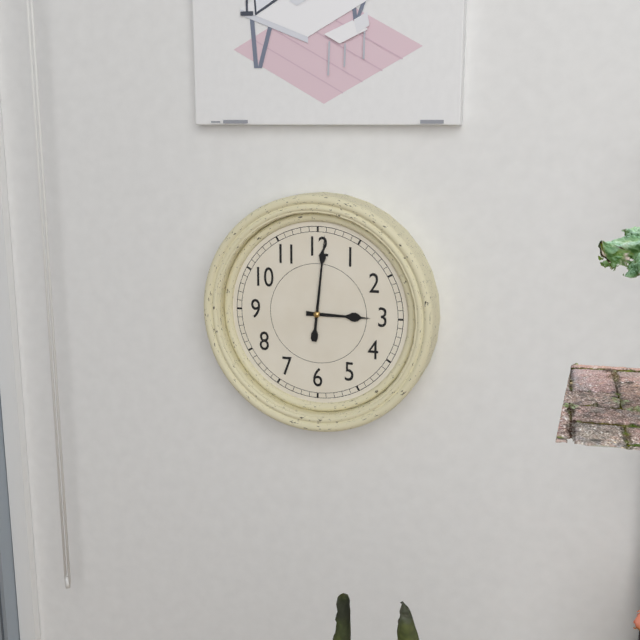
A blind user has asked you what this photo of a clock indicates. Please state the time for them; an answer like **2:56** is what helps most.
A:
**3:01**
